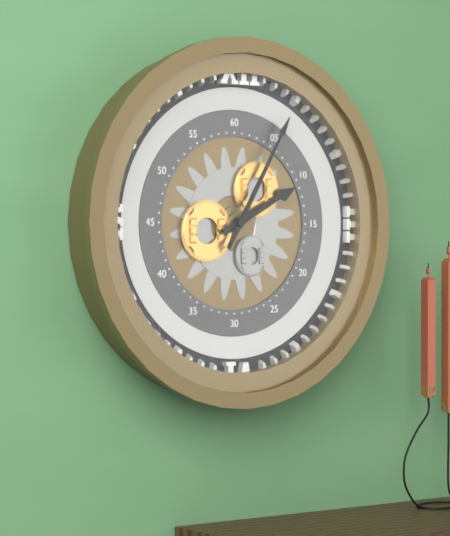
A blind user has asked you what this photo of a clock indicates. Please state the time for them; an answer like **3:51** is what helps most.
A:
**2:05**
